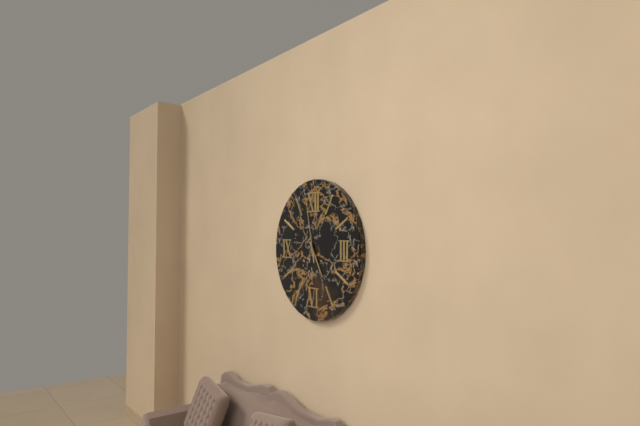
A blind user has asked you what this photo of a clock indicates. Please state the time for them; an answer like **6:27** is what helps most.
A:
**4:58**
